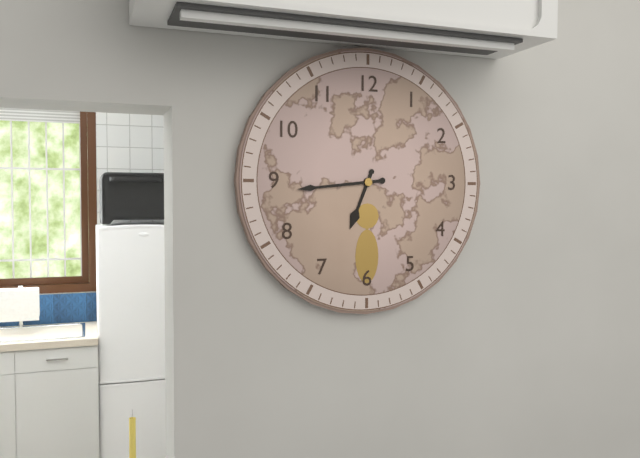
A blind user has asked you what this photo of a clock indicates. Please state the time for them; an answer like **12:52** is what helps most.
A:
**6:44**
